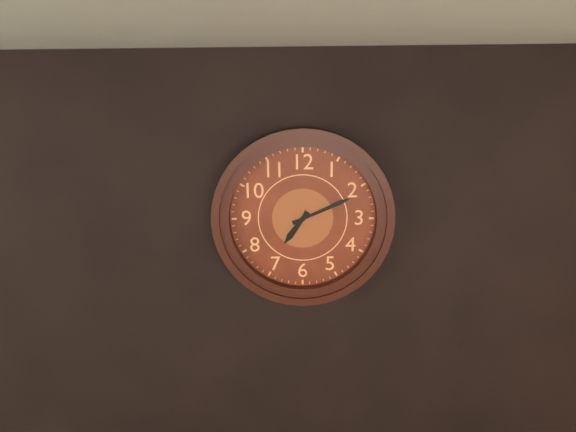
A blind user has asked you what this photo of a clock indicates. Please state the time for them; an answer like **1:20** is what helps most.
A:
**7:11**
